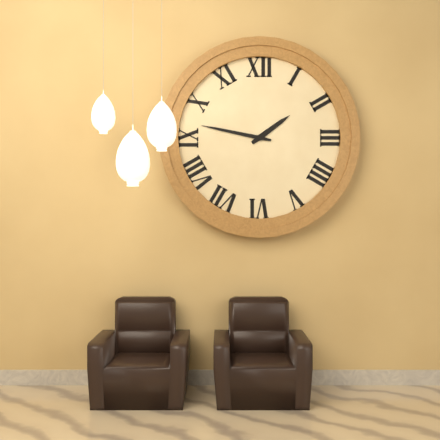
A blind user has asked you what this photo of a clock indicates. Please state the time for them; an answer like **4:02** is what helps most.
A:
**1:47**
